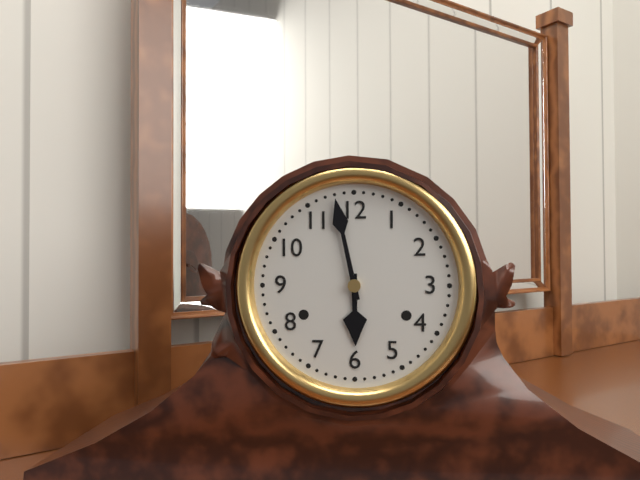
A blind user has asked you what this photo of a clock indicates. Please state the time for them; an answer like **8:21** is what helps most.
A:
**5:58**
